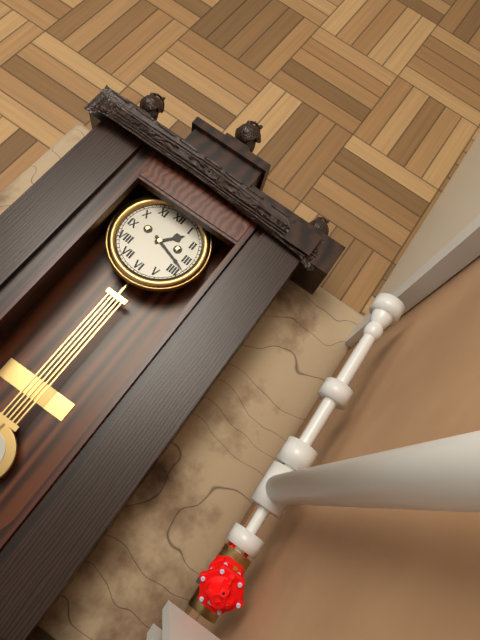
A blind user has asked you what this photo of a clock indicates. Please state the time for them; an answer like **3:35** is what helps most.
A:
**1:18**
